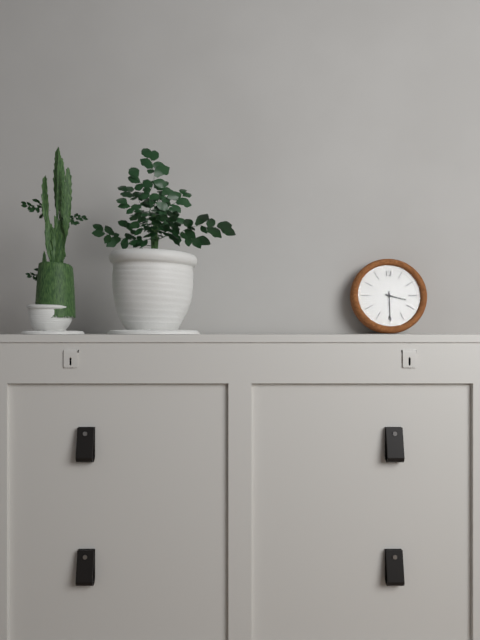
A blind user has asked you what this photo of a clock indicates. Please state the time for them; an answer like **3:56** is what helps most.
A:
**3:30**
